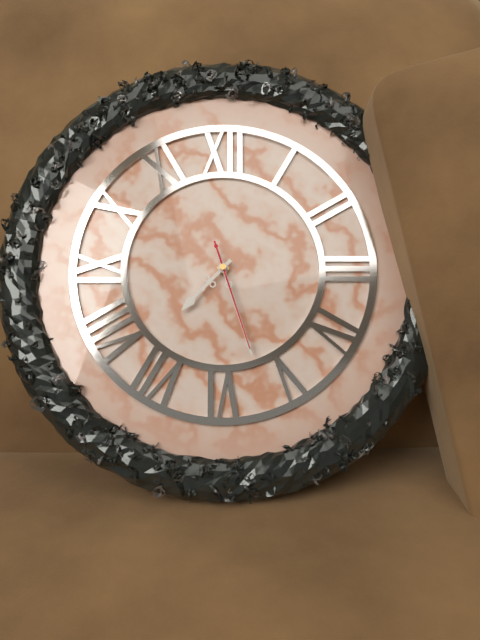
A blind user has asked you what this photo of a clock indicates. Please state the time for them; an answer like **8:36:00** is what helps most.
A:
**7:27:27**
